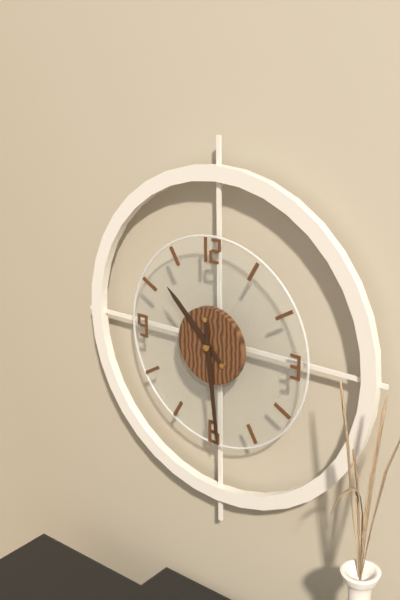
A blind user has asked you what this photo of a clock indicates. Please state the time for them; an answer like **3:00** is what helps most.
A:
**10:29**
